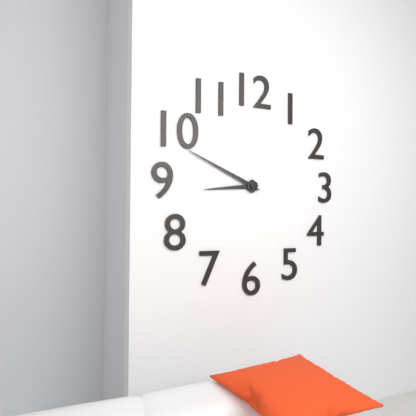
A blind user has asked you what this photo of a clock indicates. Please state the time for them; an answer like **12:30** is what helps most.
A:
**8:49**
